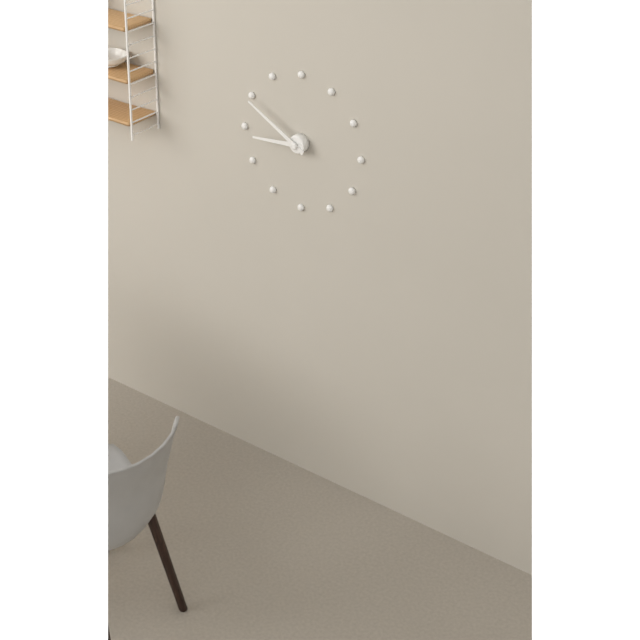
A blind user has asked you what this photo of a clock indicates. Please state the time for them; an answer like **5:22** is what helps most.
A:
**8:50**
